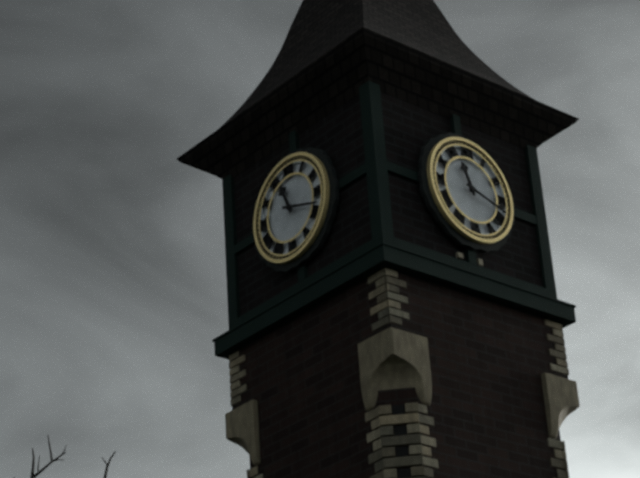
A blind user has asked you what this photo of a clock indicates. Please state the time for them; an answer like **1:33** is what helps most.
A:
**11:18**
